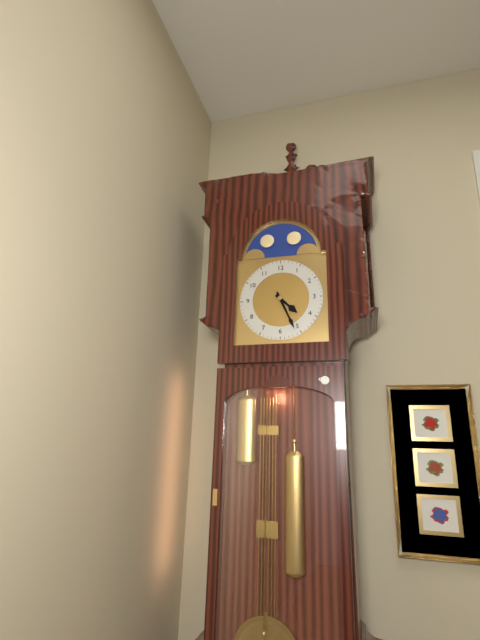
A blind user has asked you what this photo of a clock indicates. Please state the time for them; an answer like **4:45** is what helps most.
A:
**4:26**
